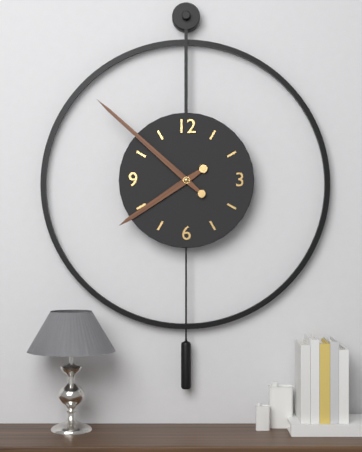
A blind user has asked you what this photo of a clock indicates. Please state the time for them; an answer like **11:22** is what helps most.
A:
**7:52**
